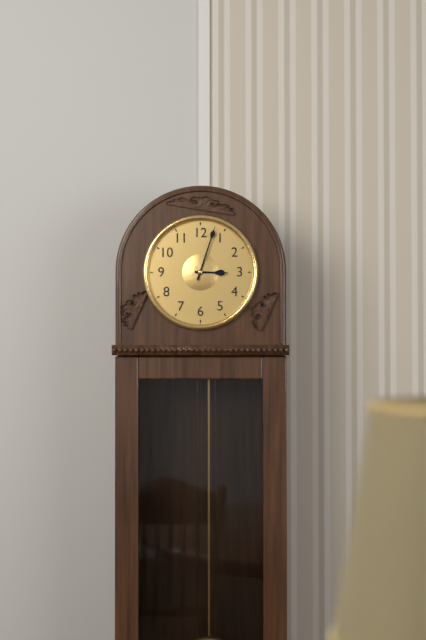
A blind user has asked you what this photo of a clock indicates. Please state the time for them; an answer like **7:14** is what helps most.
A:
**3:03**
